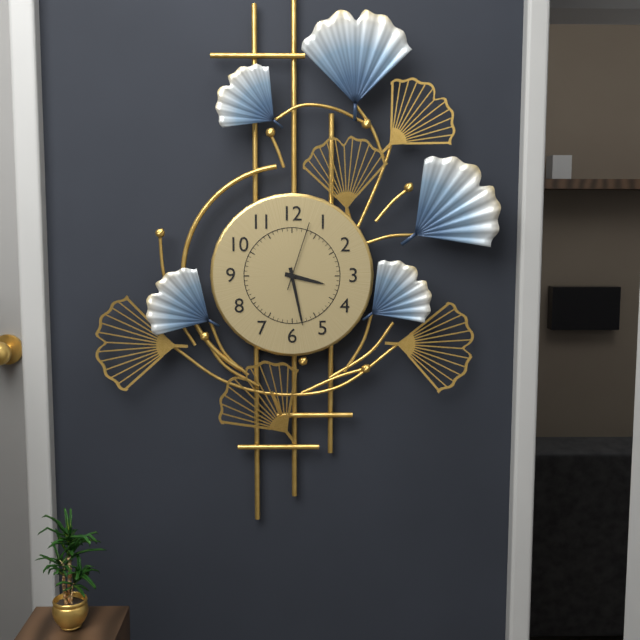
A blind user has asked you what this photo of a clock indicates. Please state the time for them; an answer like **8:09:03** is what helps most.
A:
**3:28:03**
